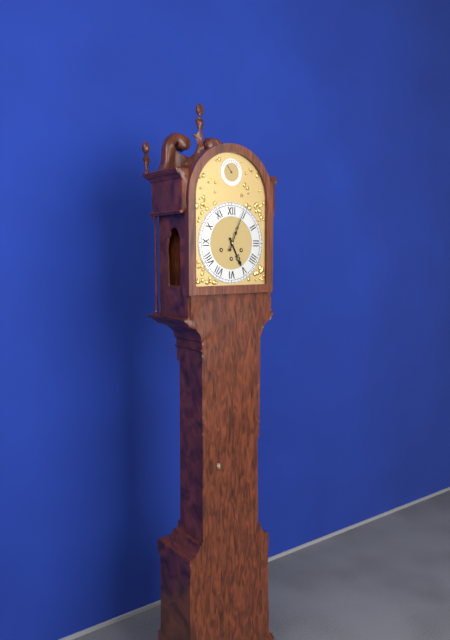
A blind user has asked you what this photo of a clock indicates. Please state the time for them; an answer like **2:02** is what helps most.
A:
**5:04**
